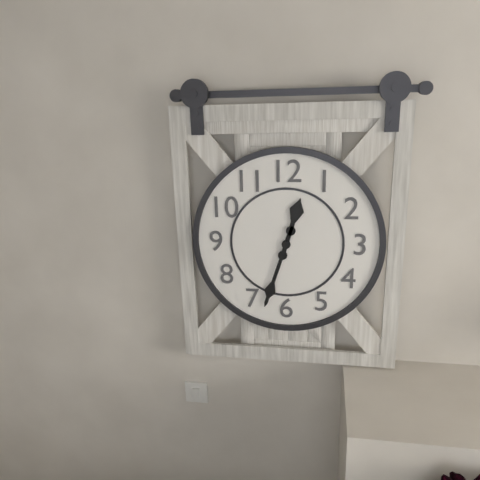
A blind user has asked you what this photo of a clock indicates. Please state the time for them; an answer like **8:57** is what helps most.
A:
**12:33**
